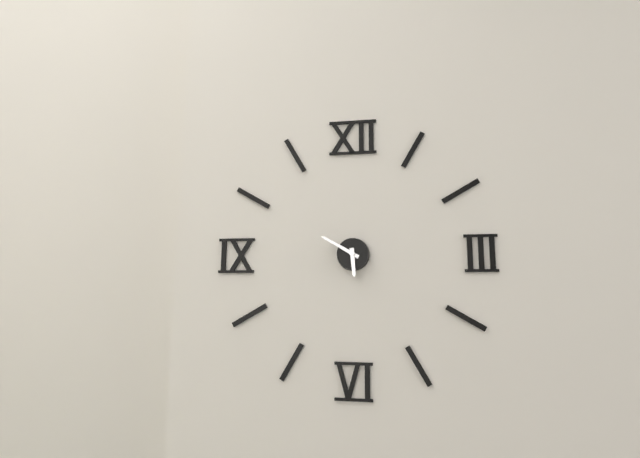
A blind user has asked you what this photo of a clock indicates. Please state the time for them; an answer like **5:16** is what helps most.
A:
**5:50**
